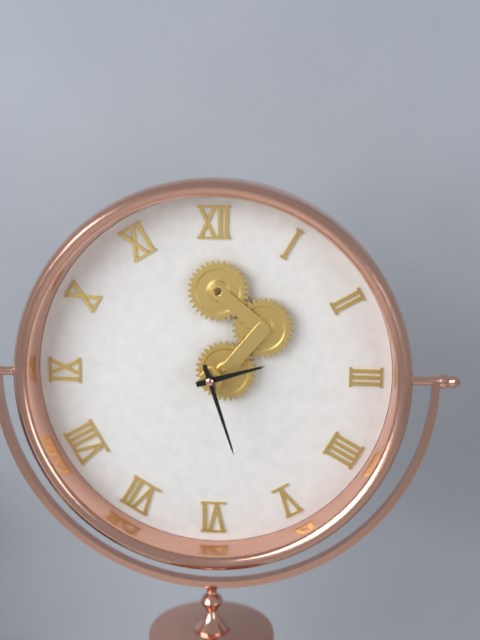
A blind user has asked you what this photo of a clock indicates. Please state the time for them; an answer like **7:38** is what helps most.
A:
**2:27**
